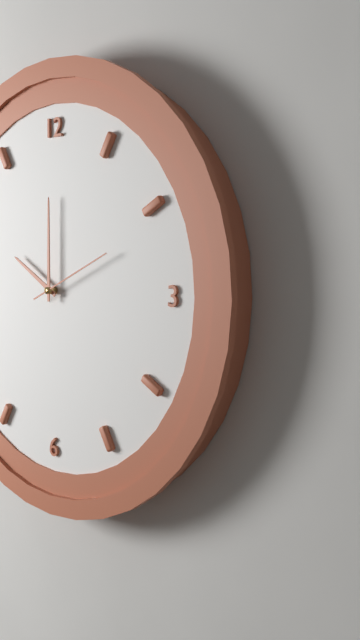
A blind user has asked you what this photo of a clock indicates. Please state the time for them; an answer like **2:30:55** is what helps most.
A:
**10:00:11**
